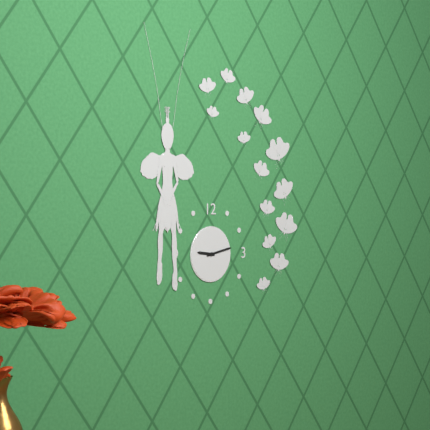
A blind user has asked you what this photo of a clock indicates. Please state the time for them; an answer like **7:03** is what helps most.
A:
**9:13**
